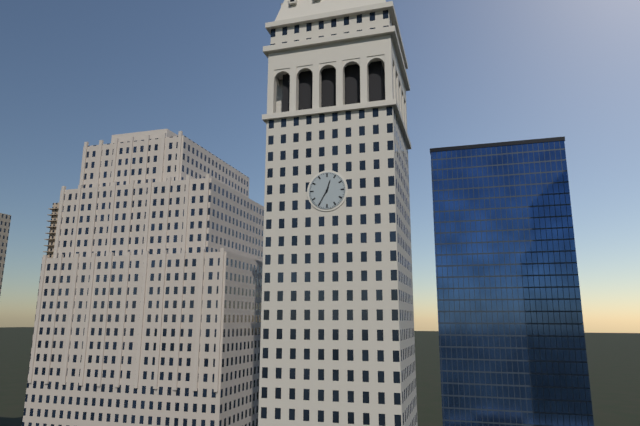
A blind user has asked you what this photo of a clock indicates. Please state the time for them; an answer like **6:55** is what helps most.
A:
**12:35**
